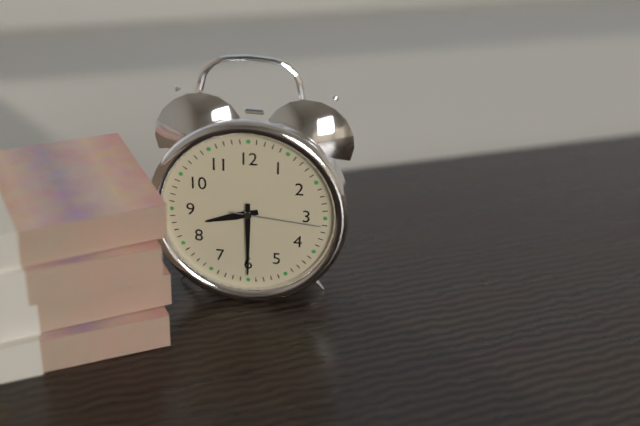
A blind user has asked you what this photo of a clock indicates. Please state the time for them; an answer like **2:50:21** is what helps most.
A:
**8:30:16**
